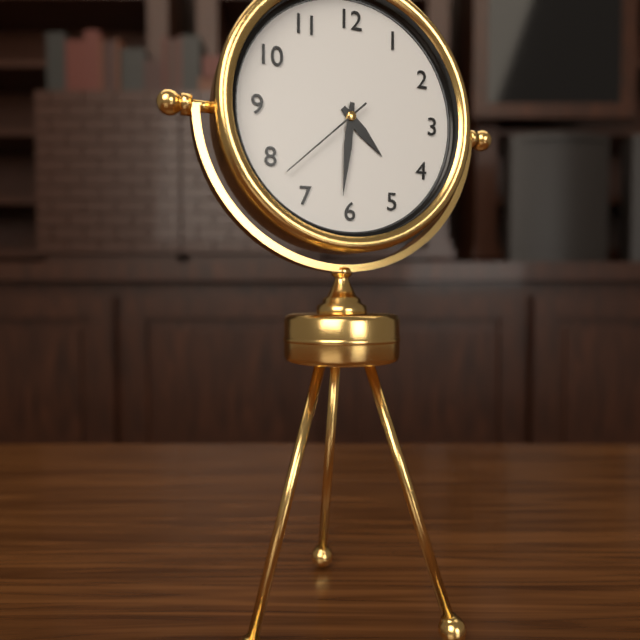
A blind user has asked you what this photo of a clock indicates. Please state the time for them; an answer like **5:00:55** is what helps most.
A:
**4:31:38**
